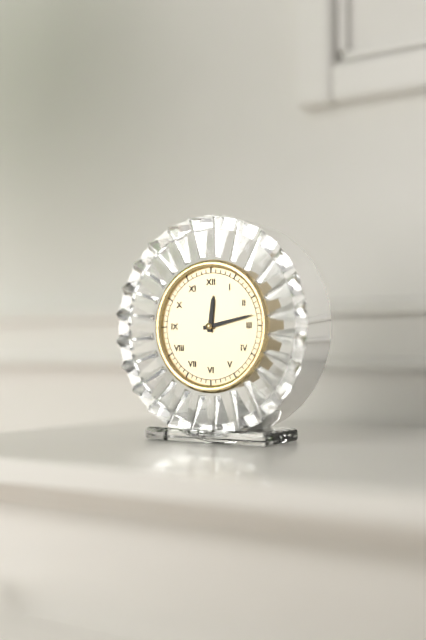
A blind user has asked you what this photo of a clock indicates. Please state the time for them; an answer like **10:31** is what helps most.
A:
**12:13**
